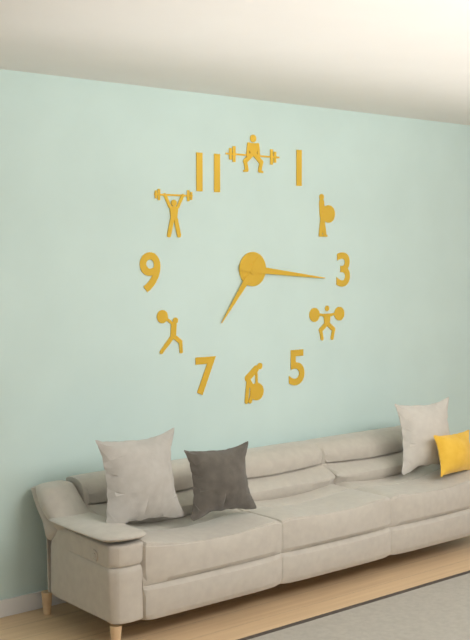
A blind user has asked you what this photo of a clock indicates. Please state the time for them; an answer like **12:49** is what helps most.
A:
**7:16**
